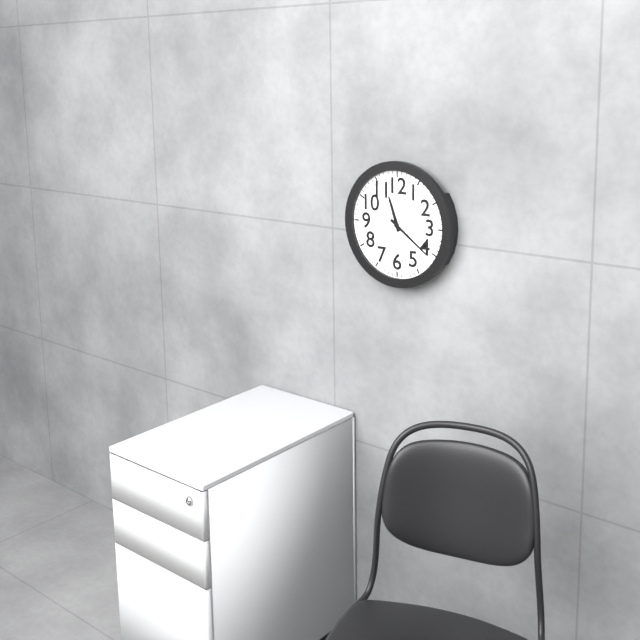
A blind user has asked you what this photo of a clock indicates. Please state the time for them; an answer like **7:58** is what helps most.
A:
**11:21**
